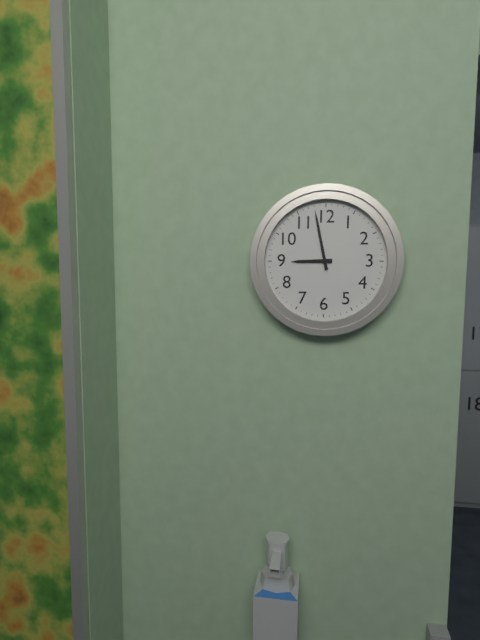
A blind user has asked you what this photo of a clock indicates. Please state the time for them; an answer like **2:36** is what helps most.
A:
**8:58**
